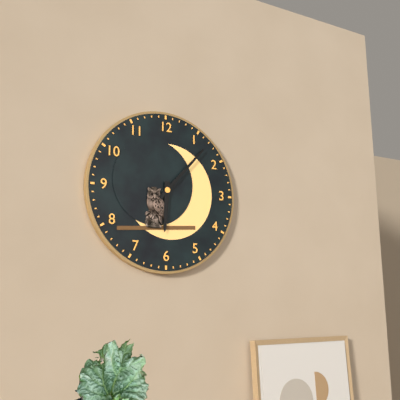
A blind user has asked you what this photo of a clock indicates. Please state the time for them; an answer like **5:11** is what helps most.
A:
**6:07**
